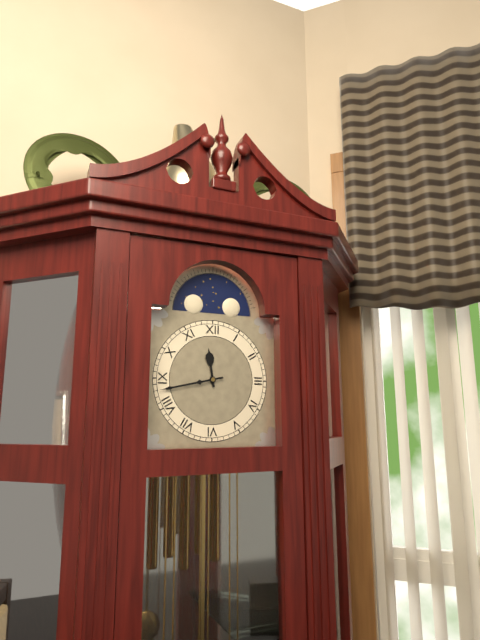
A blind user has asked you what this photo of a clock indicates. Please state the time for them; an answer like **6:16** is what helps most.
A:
**11:43**
